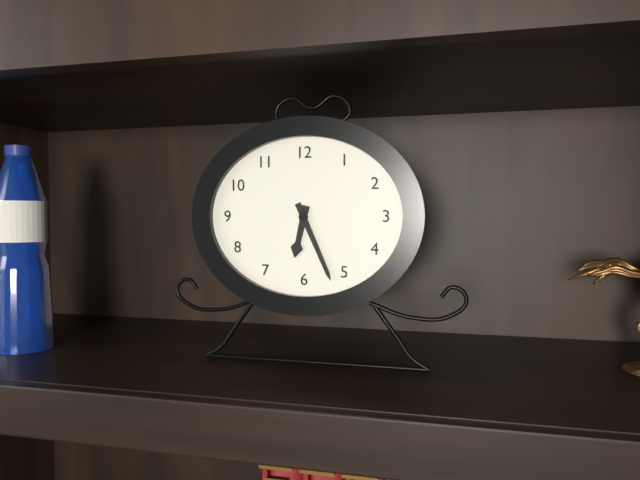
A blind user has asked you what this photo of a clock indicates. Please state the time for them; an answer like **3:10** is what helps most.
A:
**6:26**
